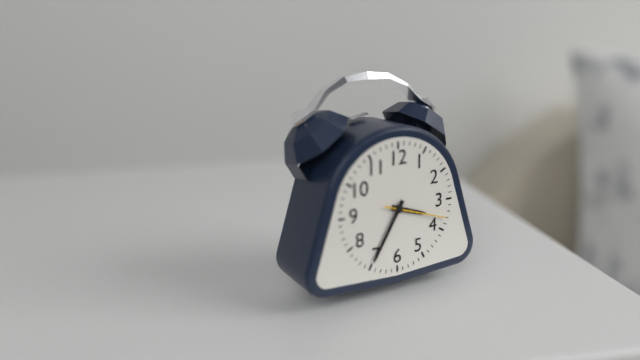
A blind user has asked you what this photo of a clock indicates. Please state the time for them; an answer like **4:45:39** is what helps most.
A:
**3:35:18**
